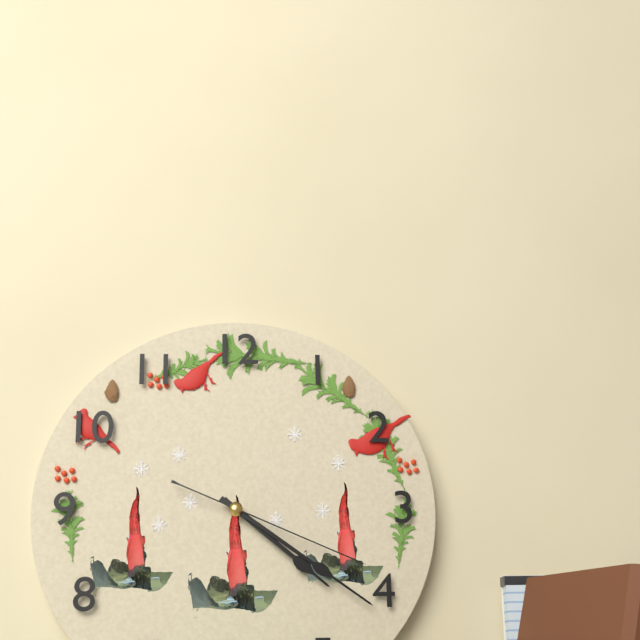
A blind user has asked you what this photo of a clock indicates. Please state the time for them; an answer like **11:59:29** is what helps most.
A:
**4:21:19**
